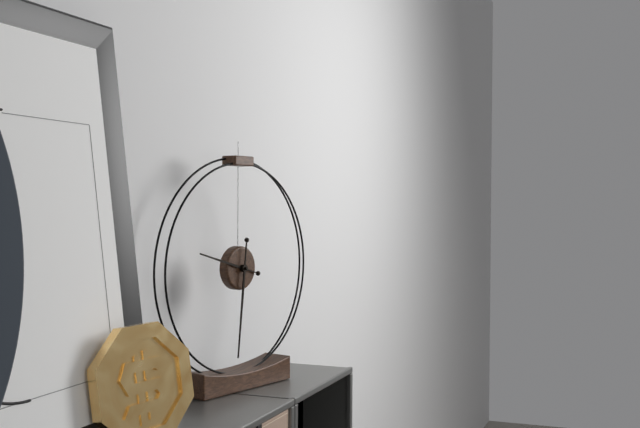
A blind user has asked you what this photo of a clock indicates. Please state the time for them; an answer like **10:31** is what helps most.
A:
**9:31**
